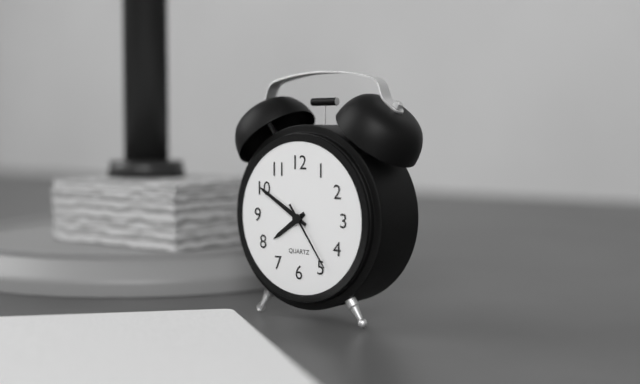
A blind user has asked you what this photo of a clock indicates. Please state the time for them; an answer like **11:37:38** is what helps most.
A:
**7:50:24**
